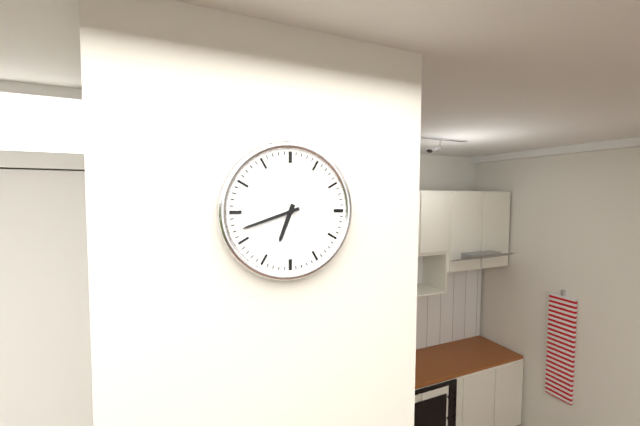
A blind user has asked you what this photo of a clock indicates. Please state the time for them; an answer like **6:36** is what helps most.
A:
**6:42**
